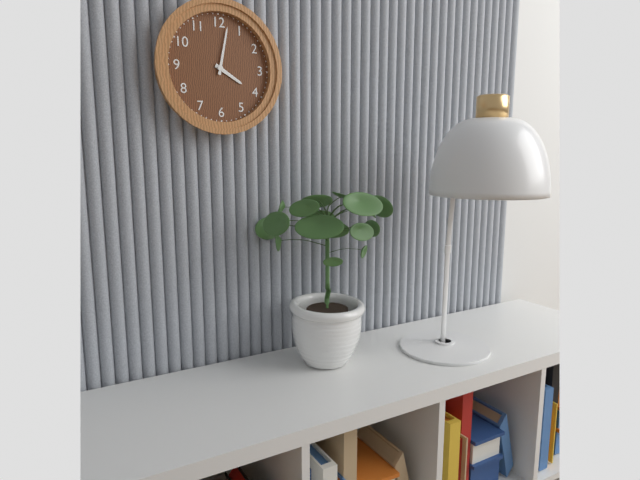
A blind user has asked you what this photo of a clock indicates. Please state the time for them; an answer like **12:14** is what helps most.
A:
**4:02**
